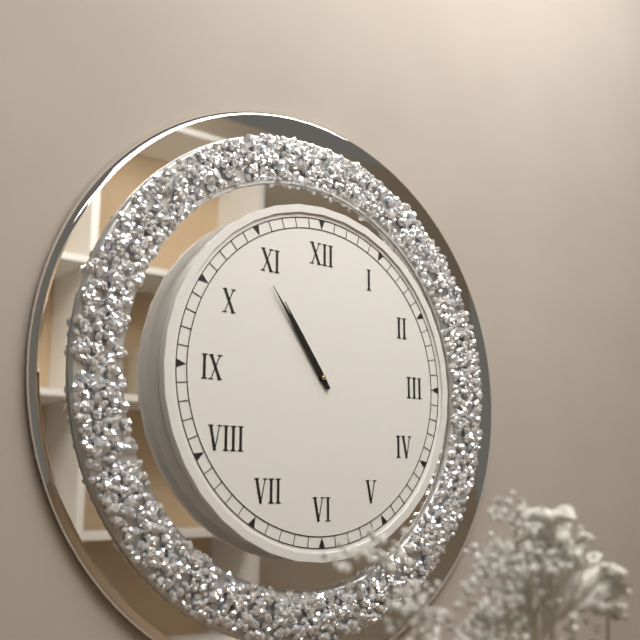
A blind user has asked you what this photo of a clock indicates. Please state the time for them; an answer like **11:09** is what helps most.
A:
**10:54**
